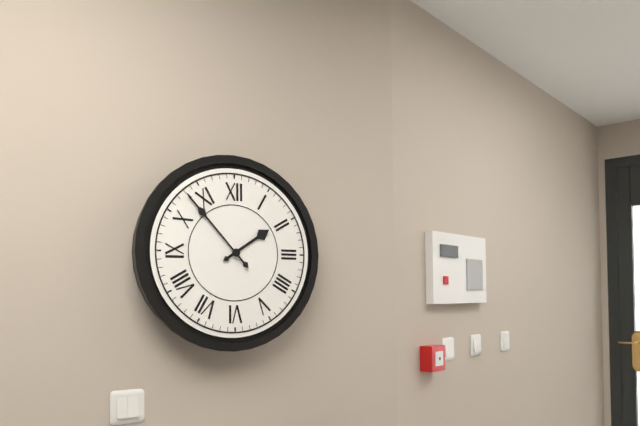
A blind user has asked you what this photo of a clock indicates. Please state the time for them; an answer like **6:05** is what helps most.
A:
**1:53**
